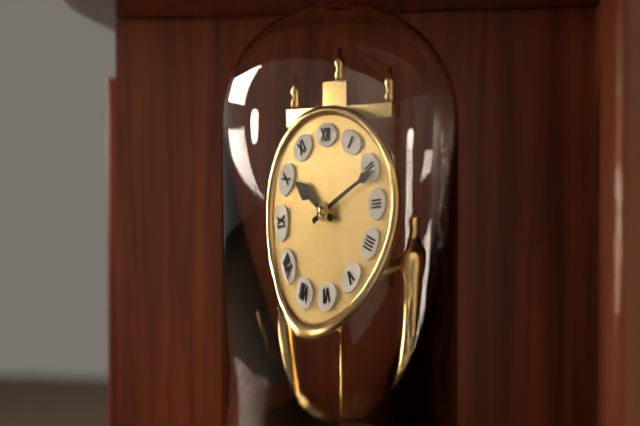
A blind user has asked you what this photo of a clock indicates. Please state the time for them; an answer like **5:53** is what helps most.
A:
**10:11**
